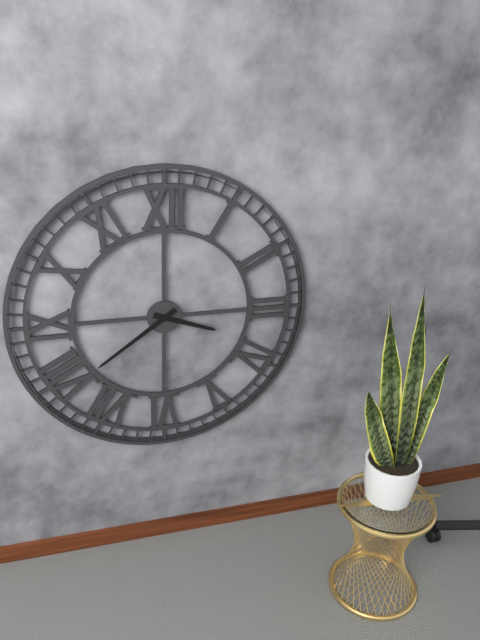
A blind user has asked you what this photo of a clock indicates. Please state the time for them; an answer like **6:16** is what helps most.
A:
**3:39**
